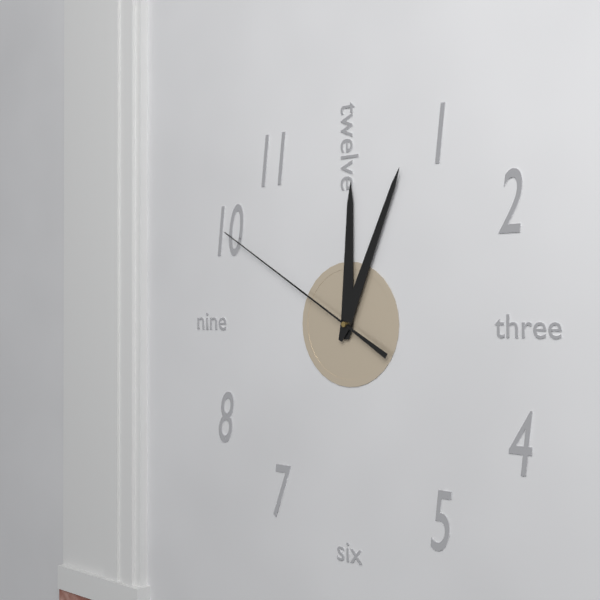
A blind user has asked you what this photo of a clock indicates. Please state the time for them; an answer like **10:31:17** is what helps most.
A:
**12:04:50**
